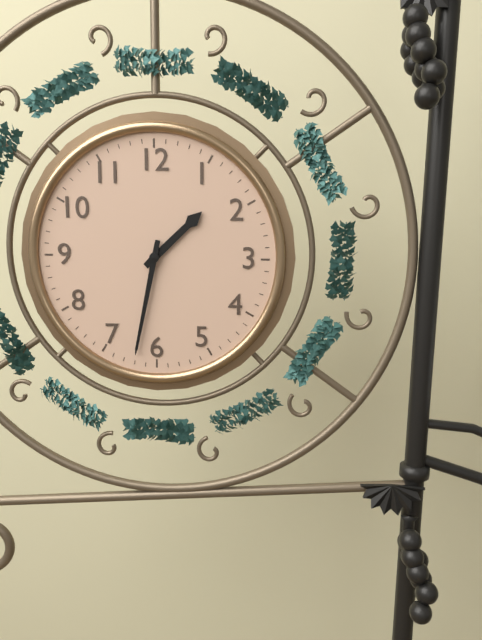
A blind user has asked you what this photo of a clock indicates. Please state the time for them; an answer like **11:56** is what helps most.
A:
**1:32**
